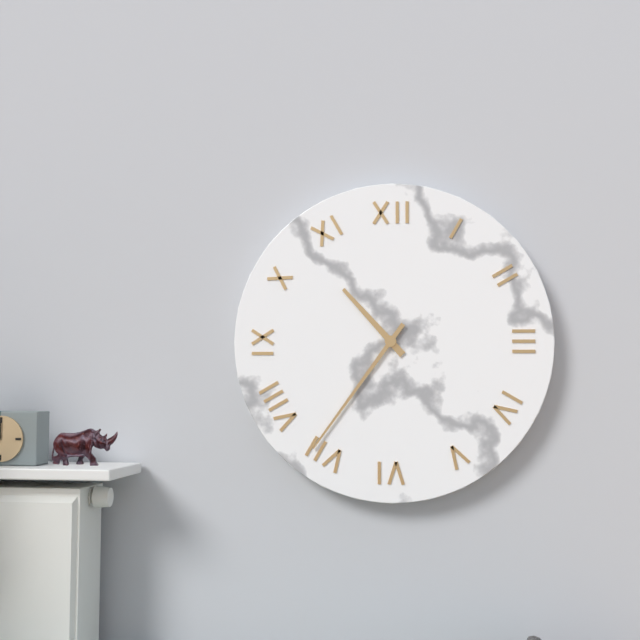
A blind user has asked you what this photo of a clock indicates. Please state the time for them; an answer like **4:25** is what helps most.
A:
**10:36**
